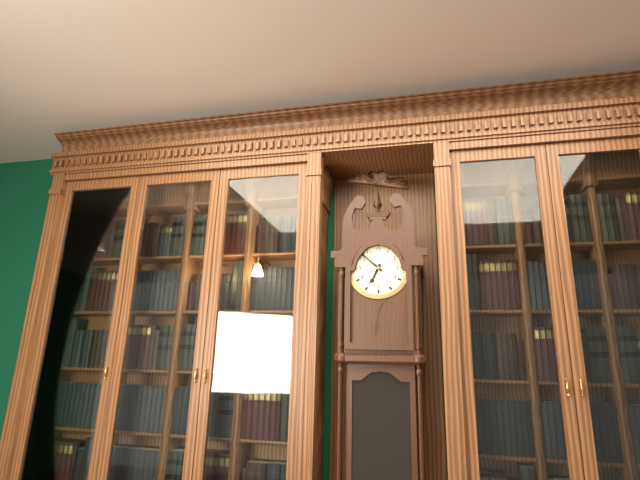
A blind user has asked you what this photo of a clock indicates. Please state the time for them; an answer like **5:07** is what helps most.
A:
**6:52**
